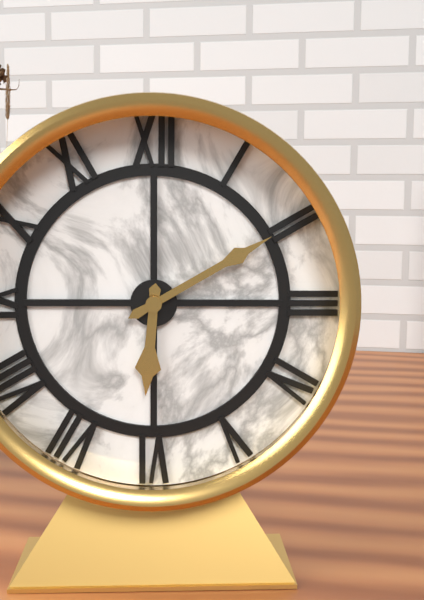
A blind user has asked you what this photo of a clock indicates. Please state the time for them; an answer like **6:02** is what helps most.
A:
**6:10**
